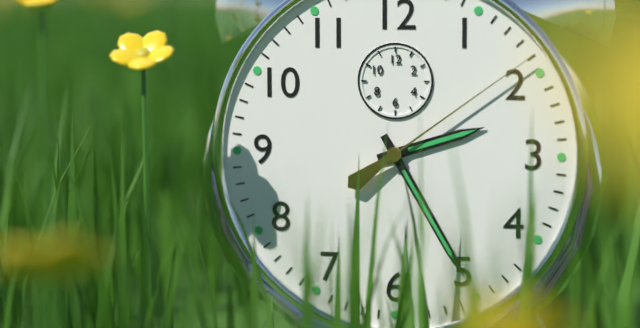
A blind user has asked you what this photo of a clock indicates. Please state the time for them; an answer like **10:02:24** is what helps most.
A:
**2:25:09**
